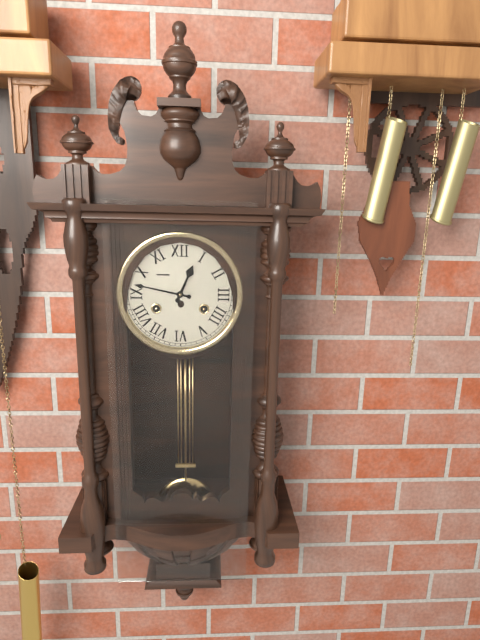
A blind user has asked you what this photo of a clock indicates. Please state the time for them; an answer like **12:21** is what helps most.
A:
**12:47**
